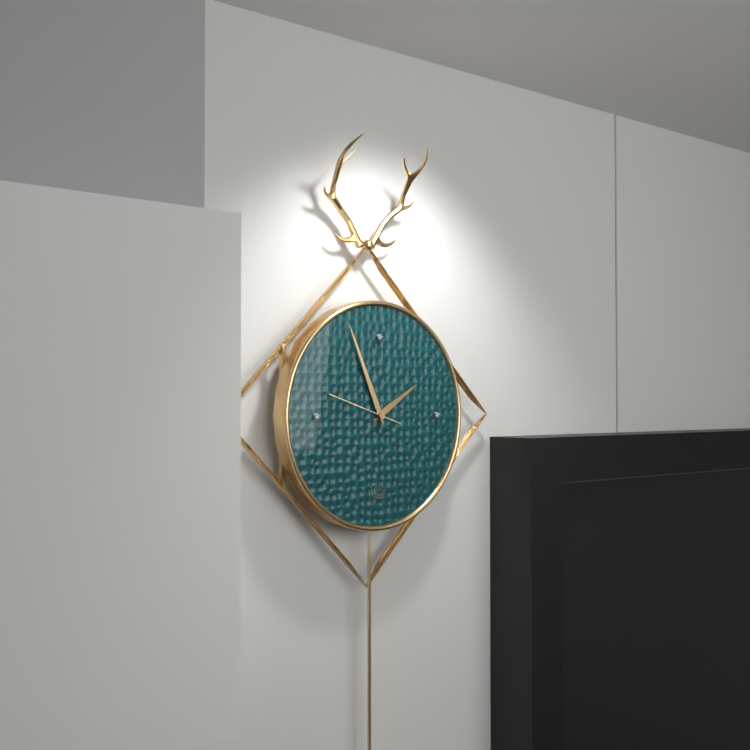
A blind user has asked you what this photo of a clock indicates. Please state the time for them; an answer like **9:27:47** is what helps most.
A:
**1:56:48**
